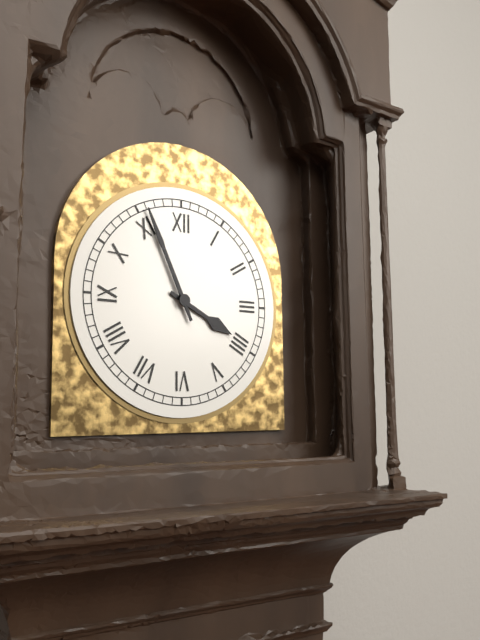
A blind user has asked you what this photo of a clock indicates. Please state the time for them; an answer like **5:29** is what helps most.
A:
**3:56**
